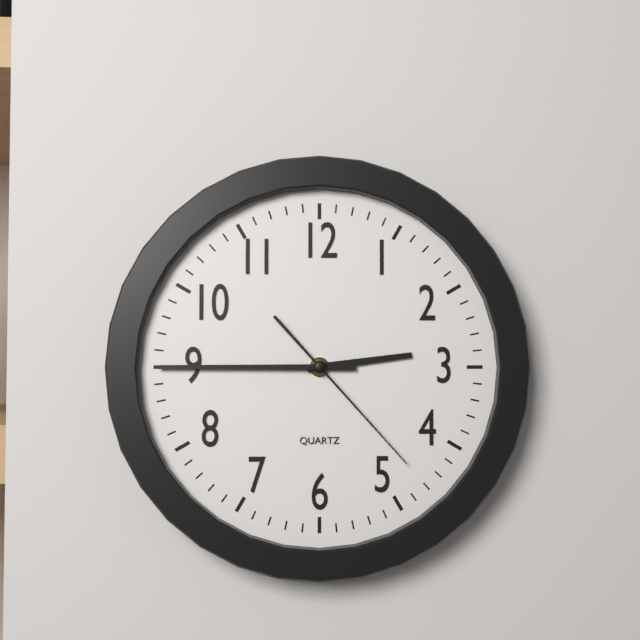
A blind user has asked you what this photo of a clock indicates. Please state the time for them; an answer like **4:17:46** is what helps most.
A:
**2:45:23**
